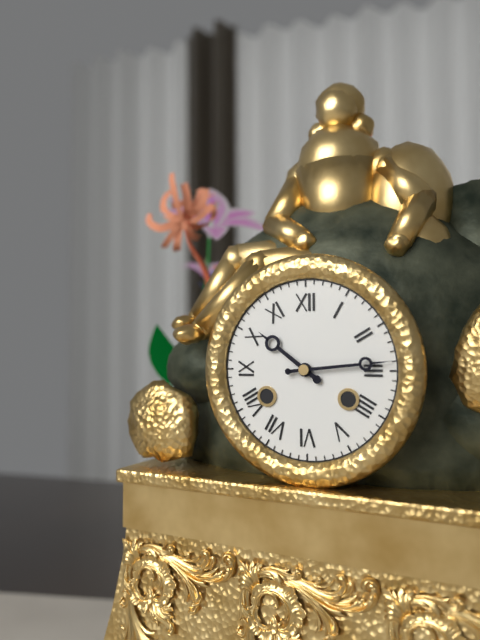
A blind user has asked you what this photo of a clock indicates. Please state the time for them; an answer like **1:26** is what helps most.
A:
**10:14**
